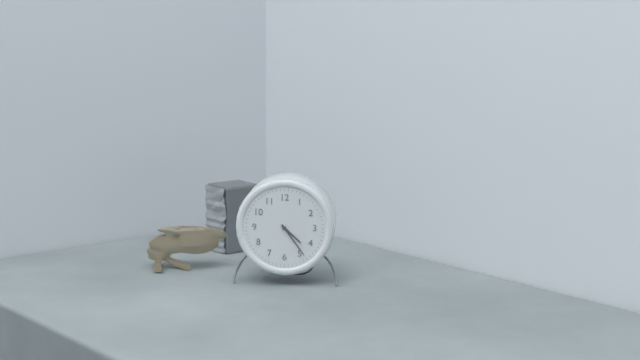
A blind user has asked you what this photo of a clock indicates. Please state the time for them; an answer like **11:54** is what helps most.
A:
**4:24**
